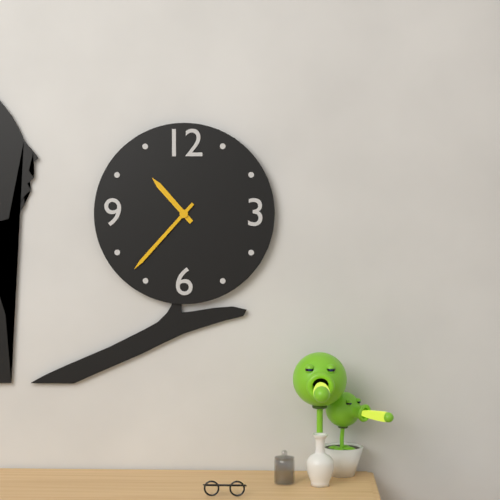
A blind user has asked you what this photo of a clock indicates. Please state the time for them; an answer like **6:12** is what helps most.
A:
**10:37**
